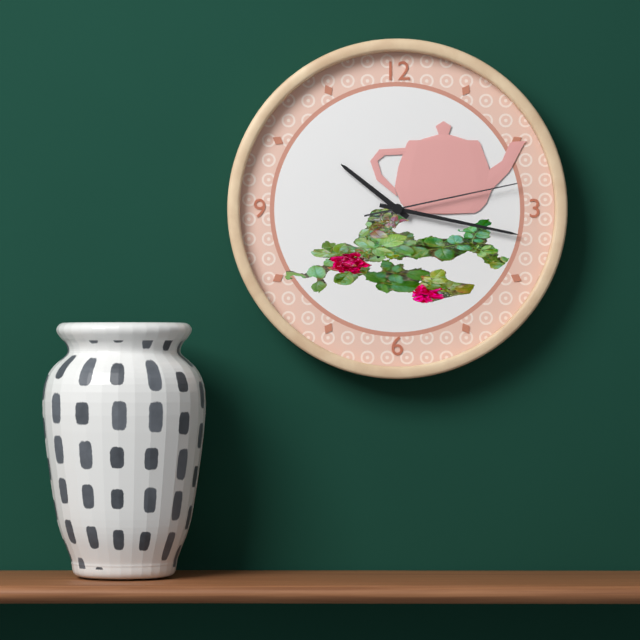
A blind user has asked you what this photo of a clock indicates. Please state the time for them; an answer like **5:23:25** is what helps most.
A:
**10:17:13**
